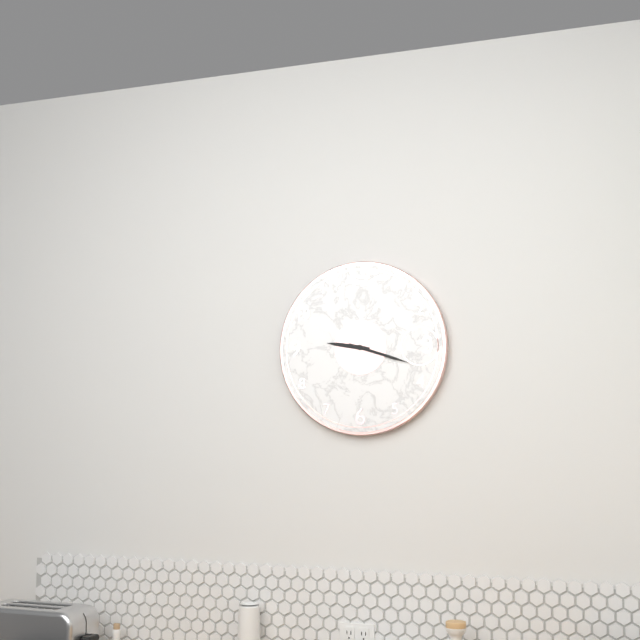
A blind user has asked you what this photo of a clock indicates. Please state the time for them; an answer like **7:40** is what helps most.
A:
**9:18**
